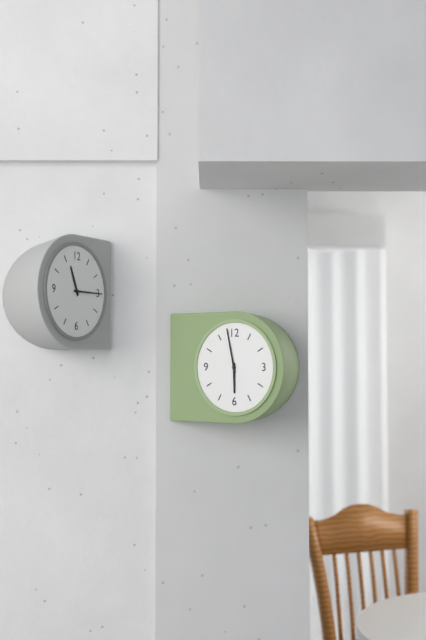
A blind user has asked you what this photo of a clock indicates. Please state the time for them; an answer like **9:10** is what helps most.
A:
**5:58**
